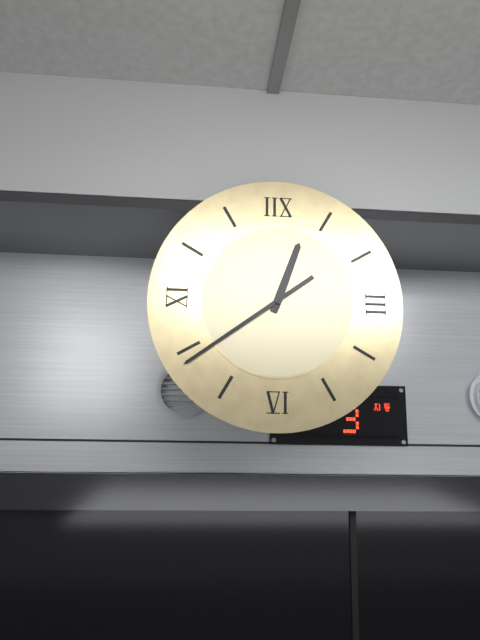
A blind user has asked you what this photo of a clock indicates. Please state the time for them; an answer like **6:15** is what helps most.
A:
**12:39**
